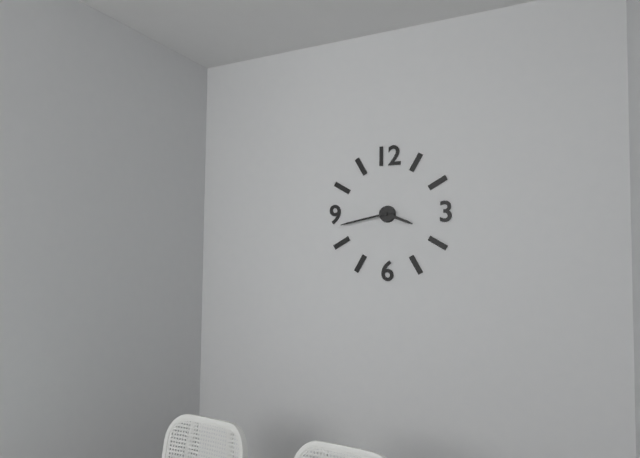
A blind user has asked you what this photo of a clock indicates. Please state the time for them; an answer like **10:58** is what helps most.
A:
**3:43**
